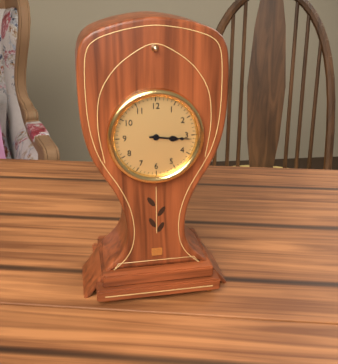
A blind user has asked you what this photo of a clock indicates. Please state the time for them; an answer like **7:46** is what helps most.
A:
**3:16**
